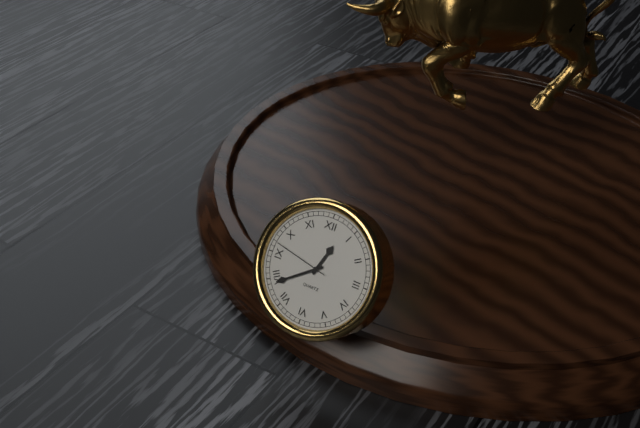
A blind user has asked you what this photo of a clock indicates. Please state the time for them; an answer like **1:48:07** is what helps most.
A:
**12:39:47**
